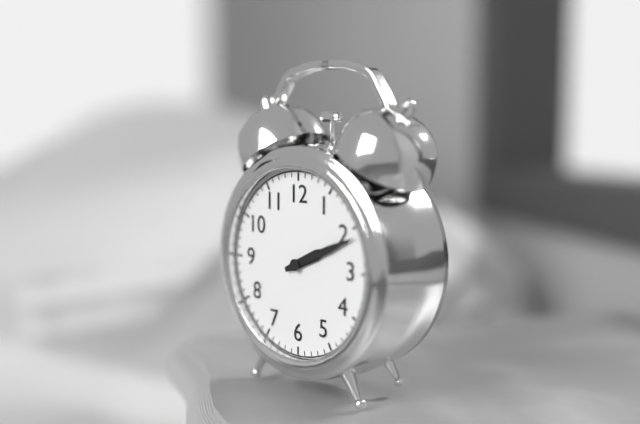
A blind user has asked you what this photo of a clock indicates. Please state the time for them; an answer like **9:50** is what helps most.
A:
**2:11**
